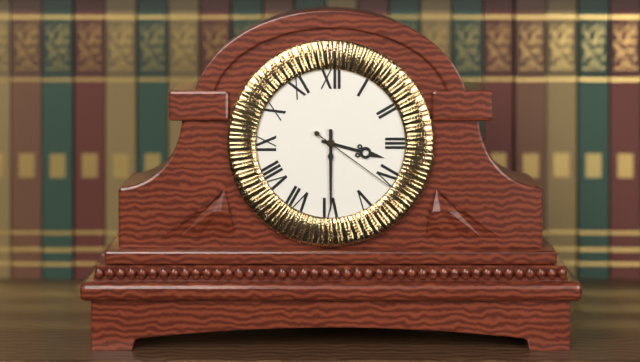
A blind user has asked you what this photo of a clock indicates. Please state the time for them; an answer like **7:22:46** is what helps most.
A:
**3:30:21**
